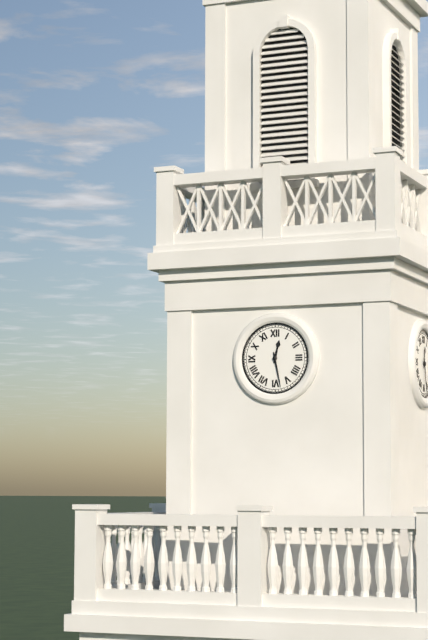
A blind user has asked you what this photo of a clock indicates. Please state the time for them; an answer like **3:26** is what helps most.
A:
**12:28**
